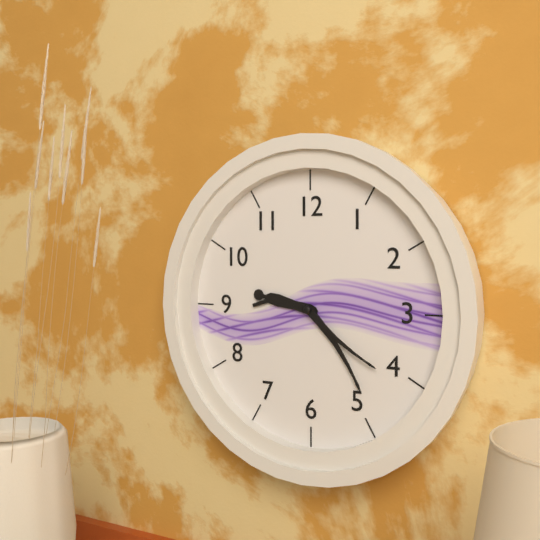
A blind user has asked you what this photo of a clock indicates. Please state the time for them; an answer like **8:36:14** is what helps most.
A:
**9:24:21**
